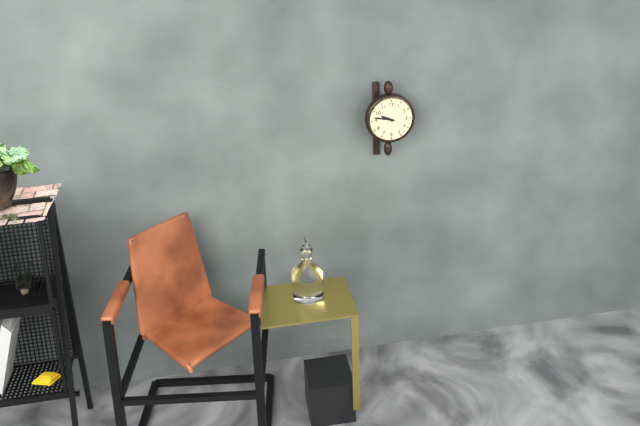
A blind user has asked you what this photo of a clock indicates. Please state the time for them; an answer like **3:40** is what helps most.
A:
**9:47**
